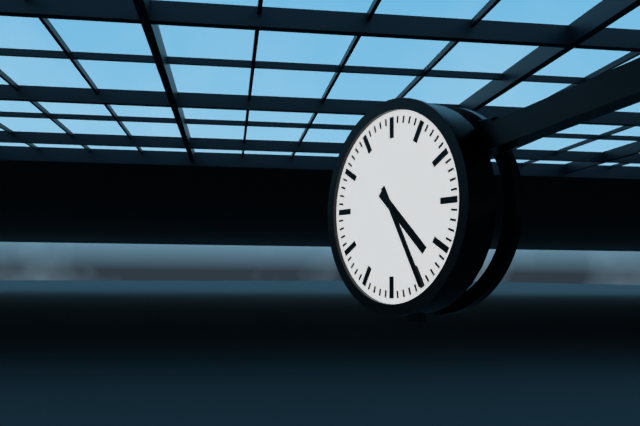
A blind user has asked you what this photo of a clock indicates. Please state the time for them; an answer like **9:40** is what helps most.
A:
**4:25**
